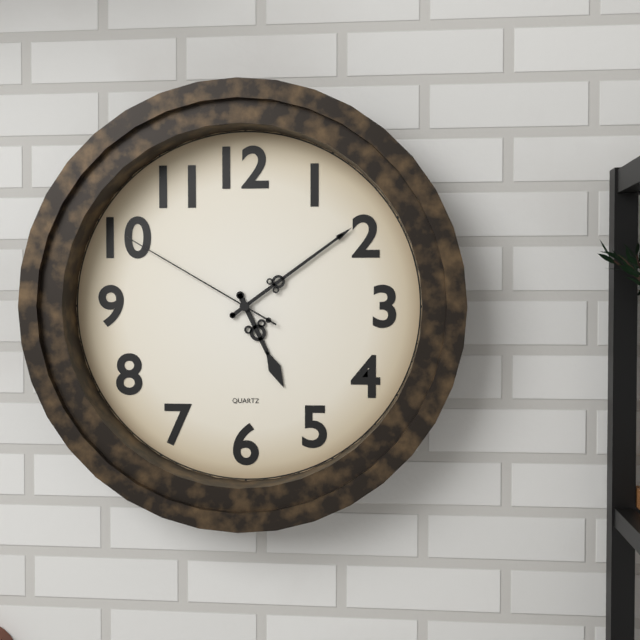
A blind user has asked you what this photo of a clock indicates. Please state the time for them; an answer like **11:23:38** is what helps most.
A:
**5:09:50**
